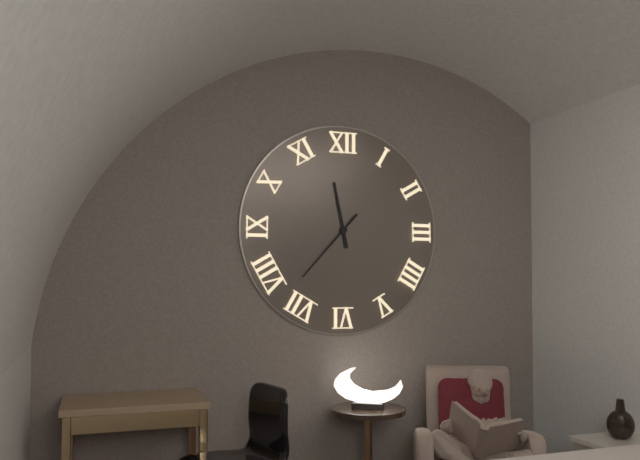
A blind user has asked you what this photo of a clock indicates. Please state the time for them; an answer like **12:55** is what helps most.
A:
**11:37**
